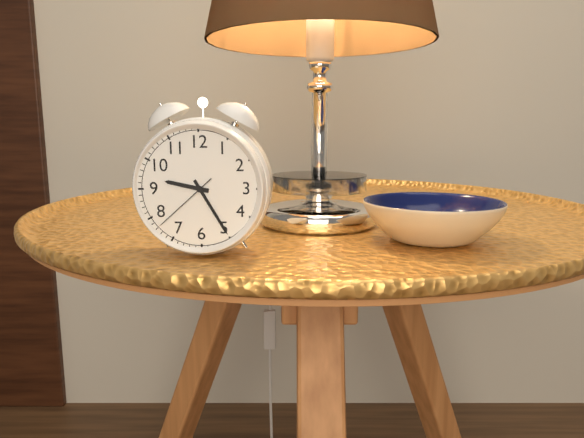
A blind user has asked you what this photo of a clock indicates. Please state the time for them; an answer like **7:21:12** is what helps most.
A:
**9:25:38**
